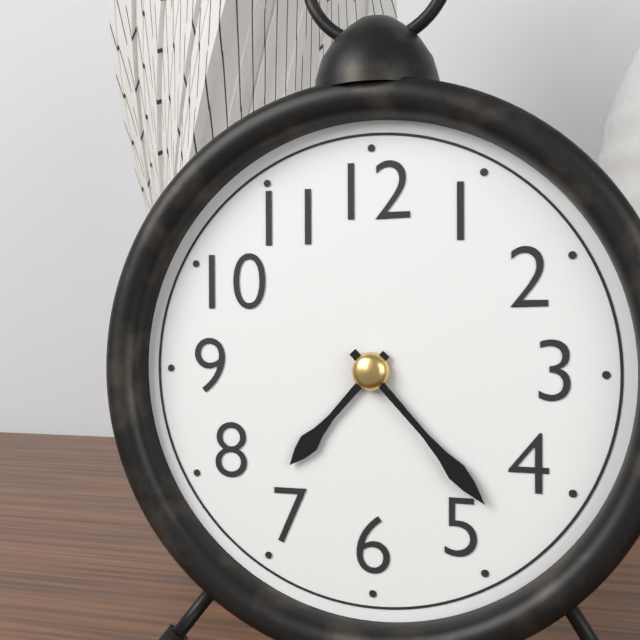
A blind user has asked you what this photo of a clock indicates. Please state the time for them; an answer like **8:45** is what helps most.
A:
**7:23**
